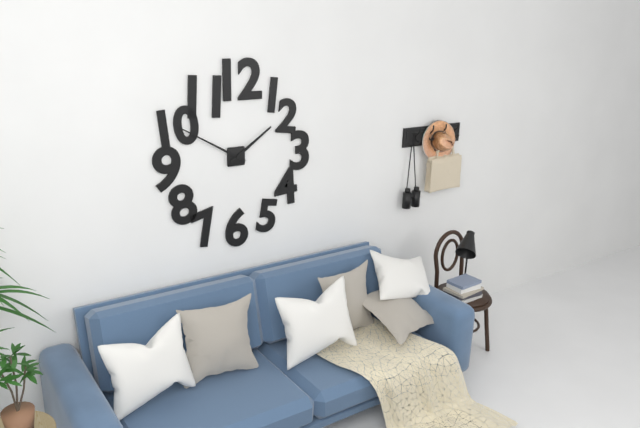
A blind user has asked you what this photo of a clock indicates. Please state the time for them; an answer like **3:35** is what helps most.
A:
**1:50**
